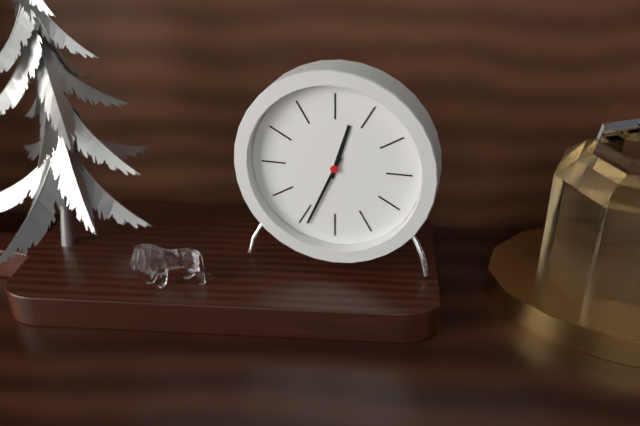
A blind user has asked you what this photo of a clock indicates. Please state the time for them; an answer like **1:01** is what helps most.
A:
**12:34**
